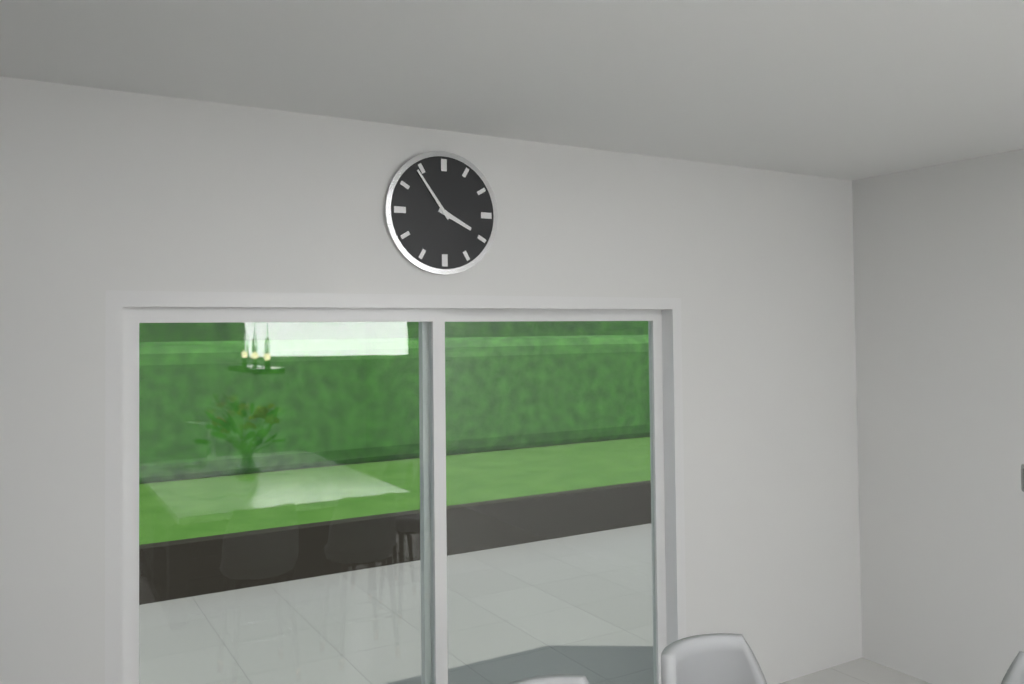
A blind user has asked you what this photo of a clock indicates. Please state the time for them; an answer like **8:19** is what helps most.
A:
**3:54**
